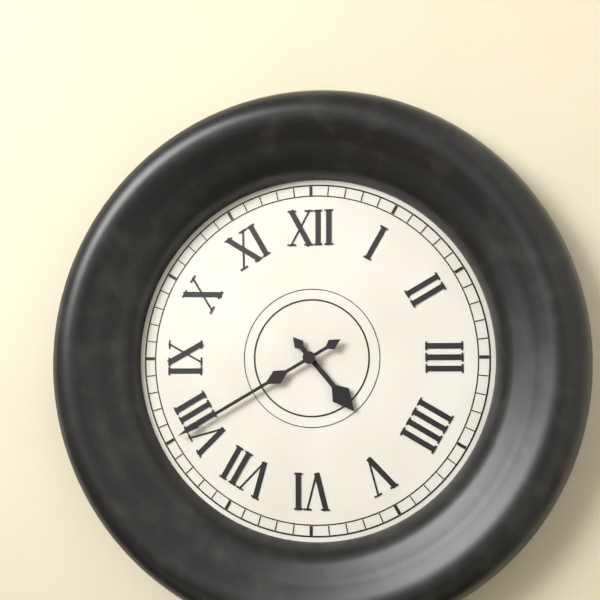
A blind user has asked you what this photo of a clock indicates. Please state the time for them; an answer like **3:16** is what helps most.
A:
**4:40**
